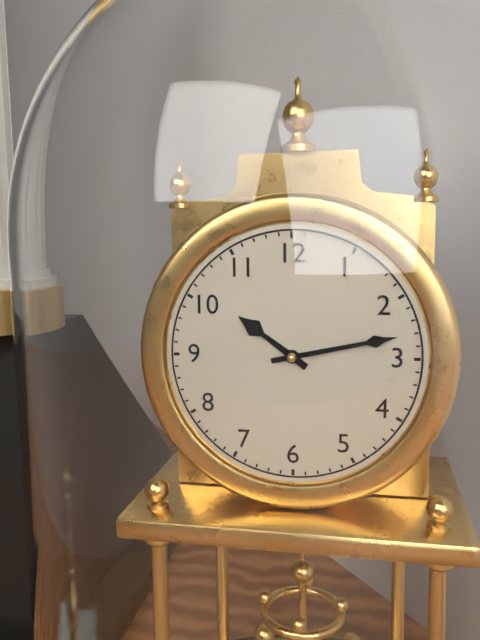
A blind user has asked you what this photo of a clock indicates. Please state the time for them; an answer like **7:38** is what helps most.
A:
**10:13**
